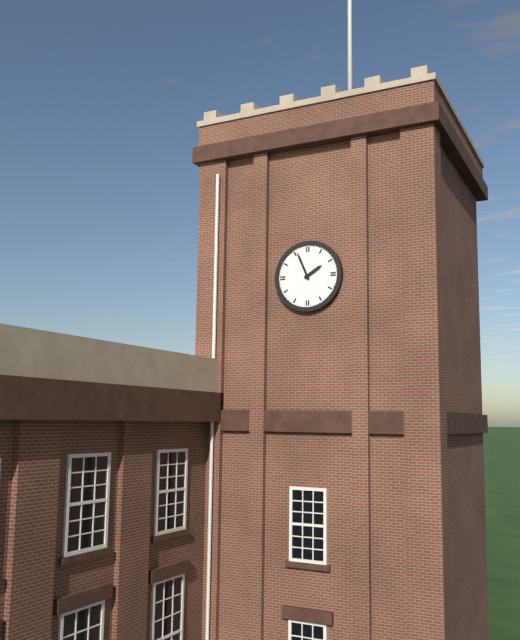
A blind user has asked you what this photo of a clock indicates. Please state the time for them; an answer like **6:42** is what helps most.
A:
**1:56**
